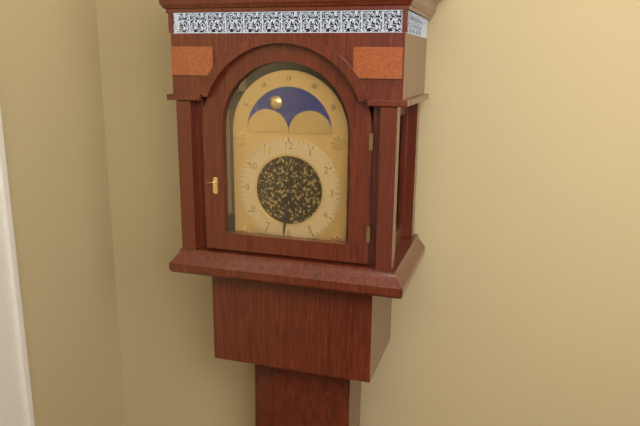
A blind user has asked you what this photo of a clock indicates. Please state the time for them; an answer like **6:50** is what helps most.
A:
**5:31**
